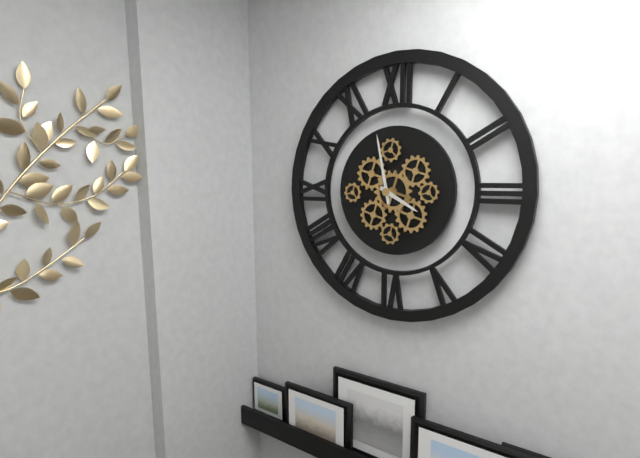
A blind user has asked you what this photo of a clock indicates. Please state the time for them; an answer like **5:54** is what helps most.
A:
**3:58**
